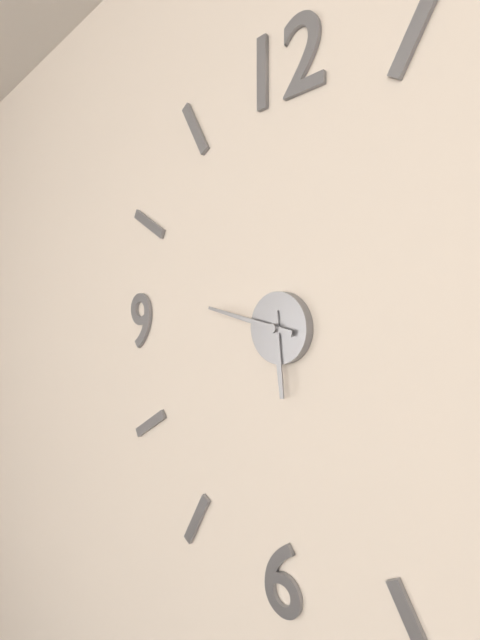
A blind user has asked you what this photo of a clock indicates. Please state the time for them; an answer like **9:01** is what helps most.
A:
**5:47**
